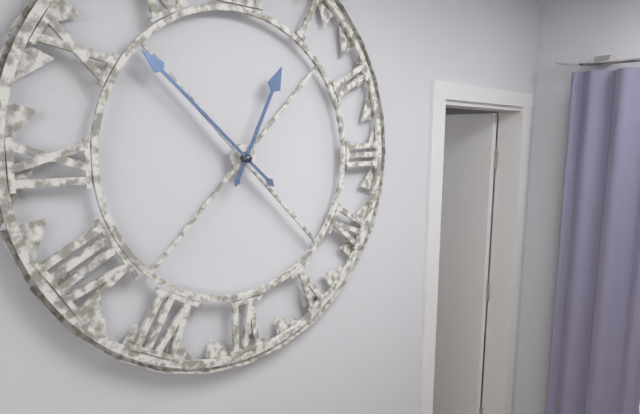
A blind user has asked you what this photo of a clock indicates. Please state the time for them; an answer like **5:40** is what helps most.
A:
**12:52**
